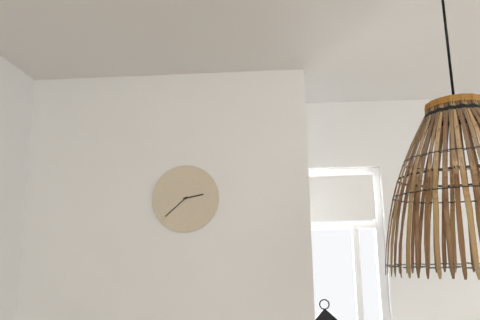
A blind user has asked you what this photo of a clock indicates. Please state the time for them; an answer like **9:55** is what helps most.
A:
**2:38**
